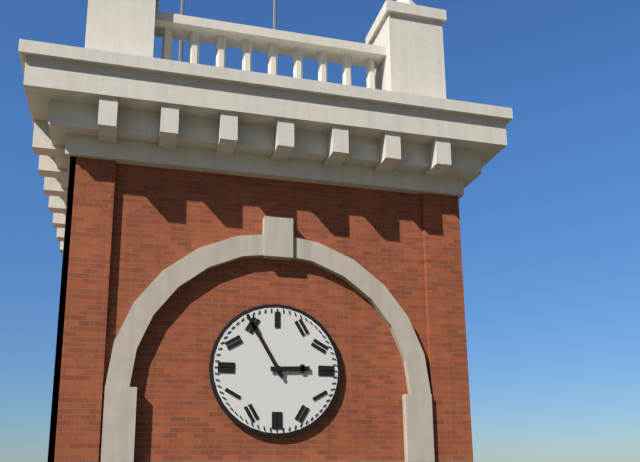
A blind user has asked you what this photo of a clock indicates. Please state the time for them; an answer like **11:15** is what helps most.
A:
**2:55**
